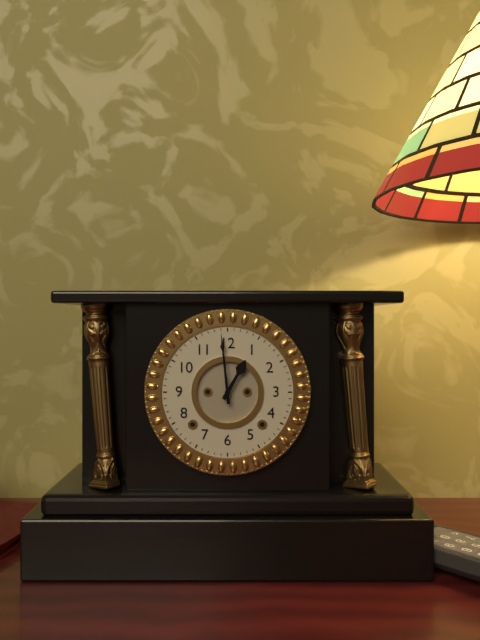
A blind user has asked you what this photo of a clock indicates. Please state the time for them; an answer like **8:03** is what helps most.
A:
**12:59**
